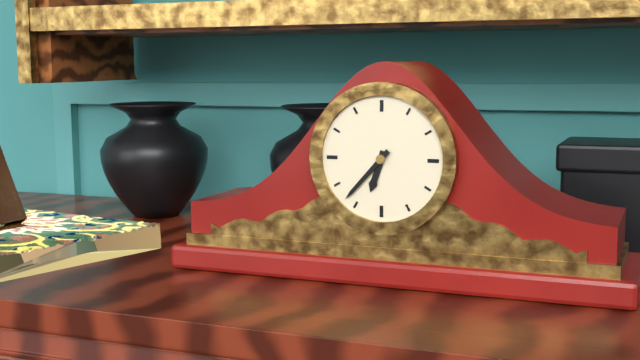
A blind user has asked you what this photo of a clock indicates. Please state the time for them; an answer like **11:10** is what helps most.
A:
**6:37**
